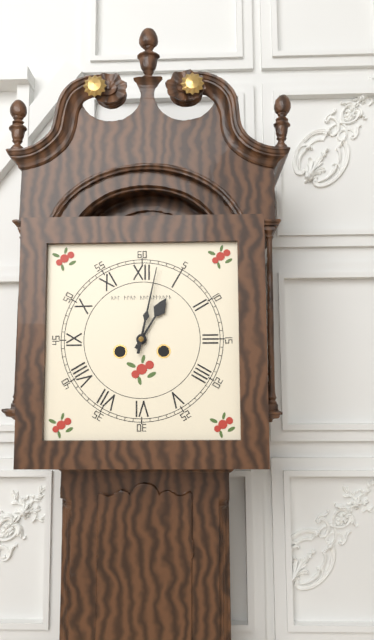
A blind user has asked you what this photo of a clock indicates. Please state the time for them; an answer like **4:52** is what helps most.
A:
**1:02**
